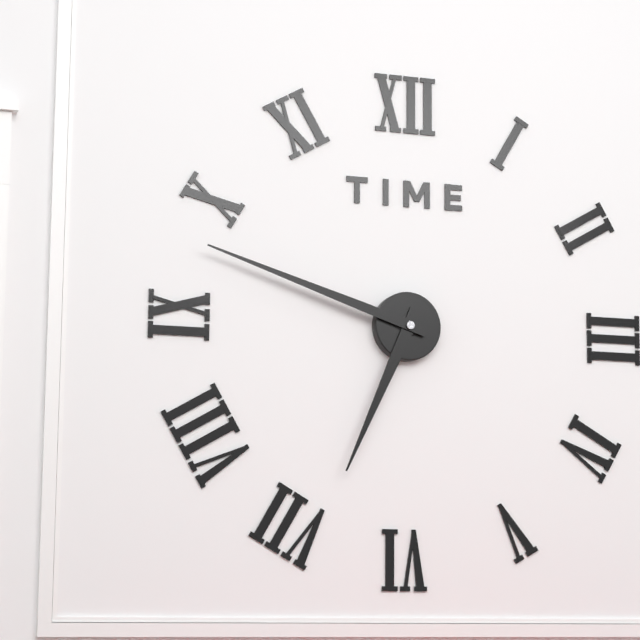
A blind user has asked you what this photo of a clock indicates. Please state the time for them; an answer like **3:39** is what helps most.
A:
**6:48**
